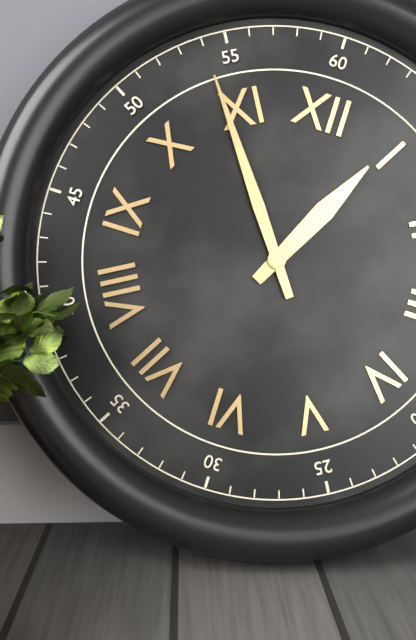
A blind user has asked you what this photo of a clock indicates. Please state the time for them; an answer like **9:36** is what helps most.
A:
**12:54**
